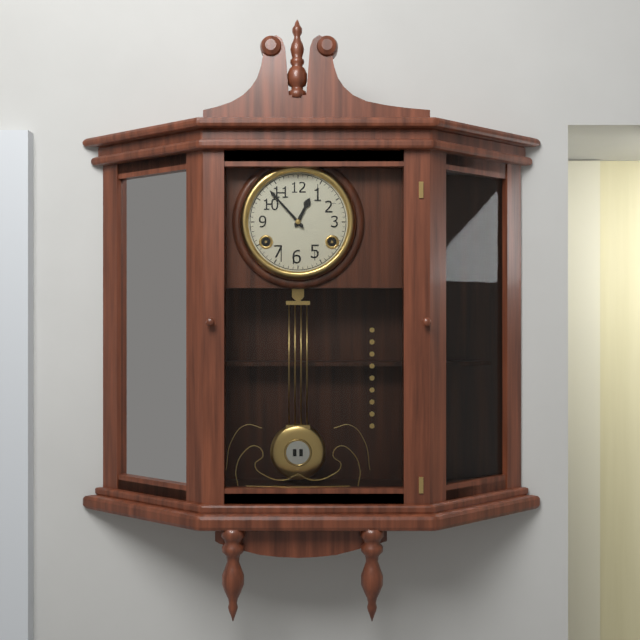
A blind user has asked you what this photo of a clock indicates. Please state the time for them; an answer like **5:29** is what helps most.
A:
**12:53**
